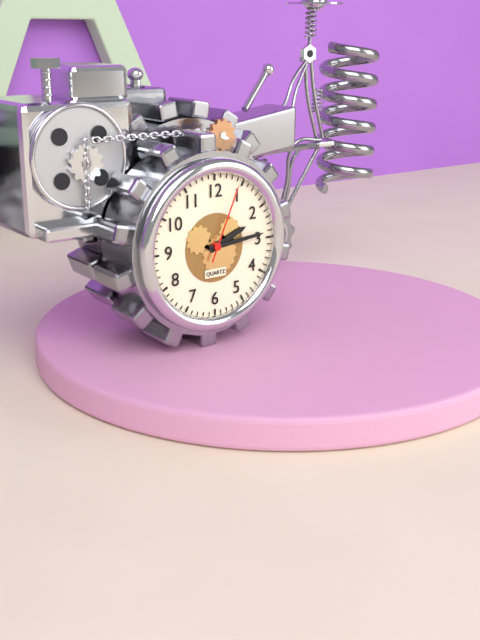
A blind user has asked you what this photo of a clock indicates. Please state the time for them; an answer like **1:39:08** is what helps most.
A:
**2:14:04**
